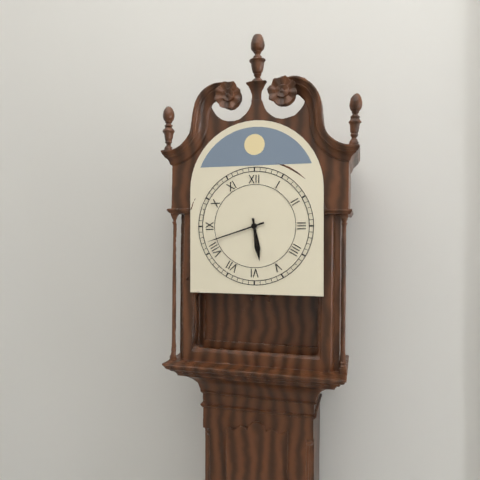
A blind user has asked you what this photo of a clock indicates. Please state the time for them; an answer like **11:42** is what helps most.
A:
**5:42**
